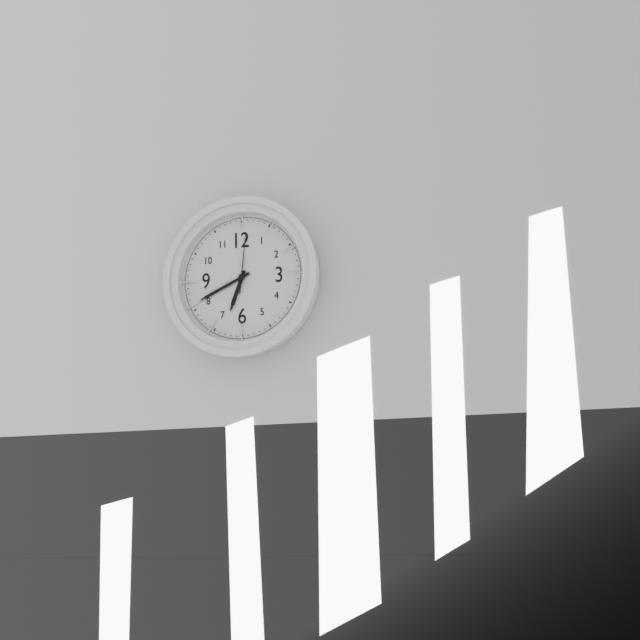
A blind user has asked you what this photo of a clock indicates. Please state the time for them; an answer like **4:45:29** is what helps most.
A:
**6:41:01**
